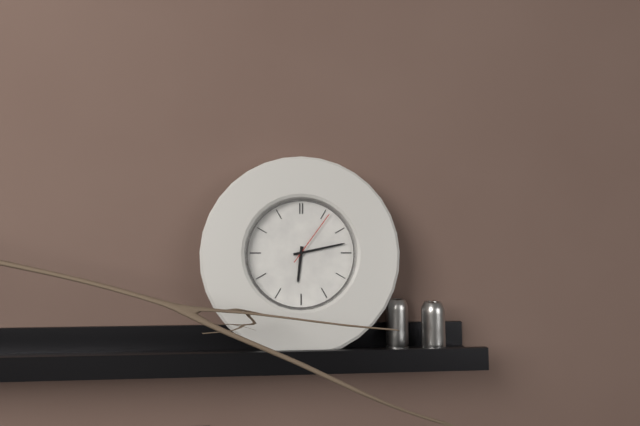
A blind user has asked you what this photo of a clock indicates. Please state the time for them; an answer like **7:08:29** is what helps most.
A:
**6:13:06**
